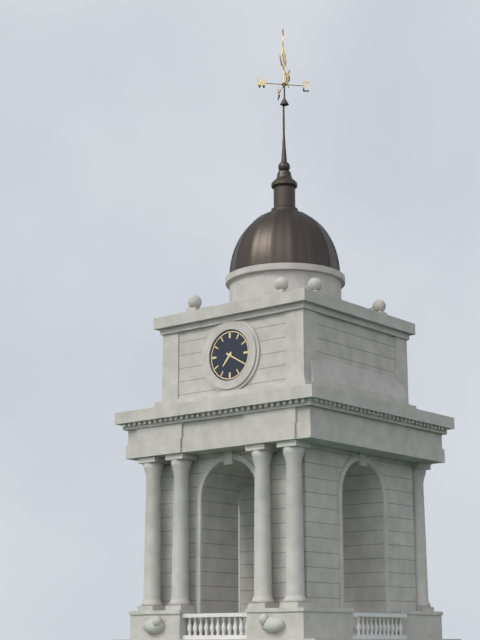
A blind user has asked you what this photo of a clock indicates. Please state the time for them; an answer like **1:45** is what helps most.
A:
**7:20**
